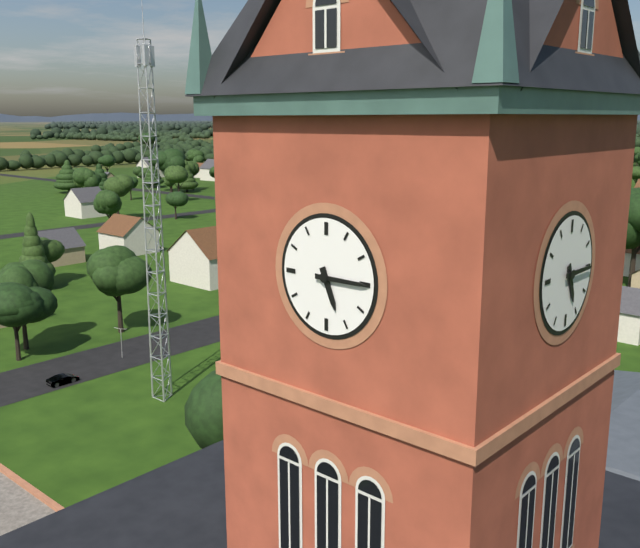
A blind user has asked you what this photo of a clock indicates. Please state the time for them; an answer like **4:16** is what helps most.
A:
**5:15**
